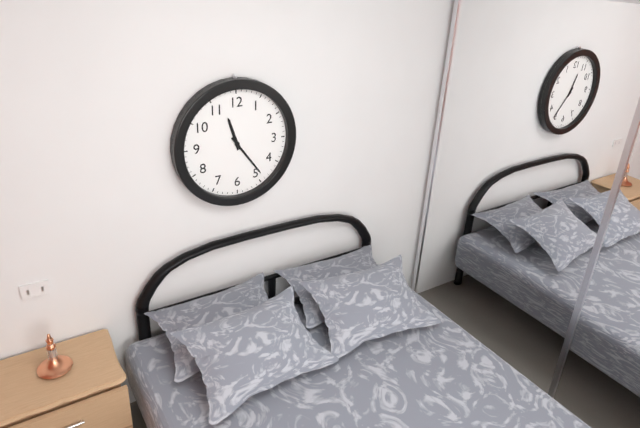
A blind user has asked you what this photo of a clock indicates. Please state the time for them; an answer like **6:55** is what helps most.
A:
**11:24**
